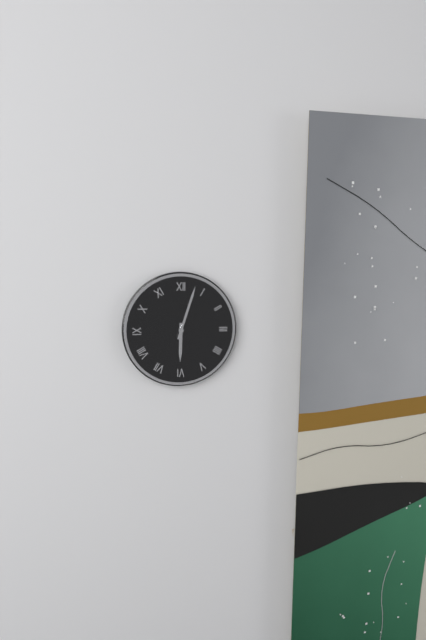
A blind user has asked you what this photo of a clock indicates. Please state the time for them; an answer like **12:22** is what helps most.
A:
**6:03**
